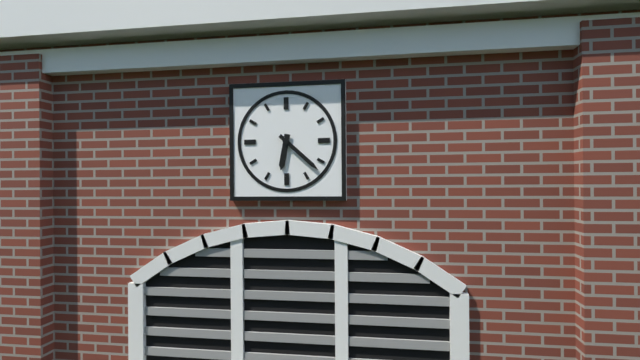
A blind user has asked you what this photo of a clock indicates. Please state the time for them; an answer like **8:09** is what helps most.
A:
**6:22**
